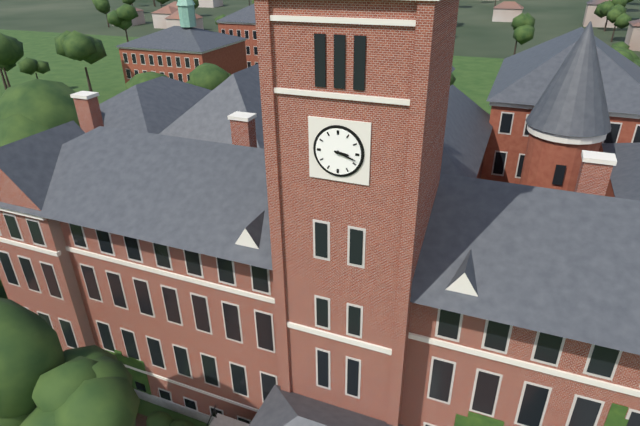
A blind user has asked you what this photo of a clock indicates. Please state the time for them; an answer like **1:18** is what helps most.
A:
**3:18**
